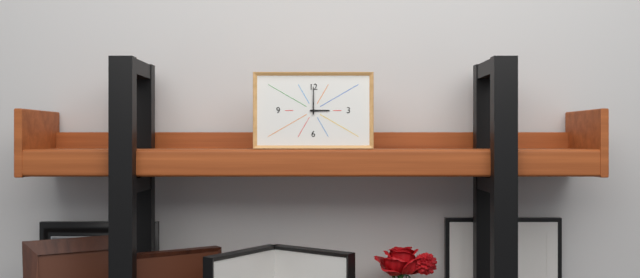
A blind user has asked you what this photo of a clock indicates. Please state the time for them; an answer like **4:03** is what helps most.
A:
**3:00**
